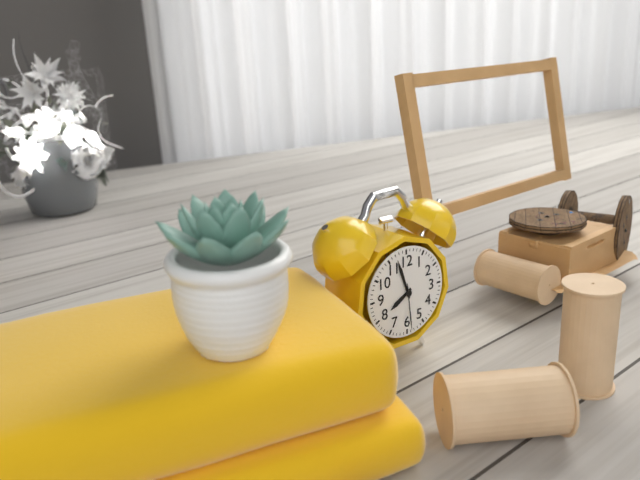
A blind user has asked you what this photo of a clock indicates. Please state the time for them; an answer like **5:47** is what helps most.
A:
**7:57**
